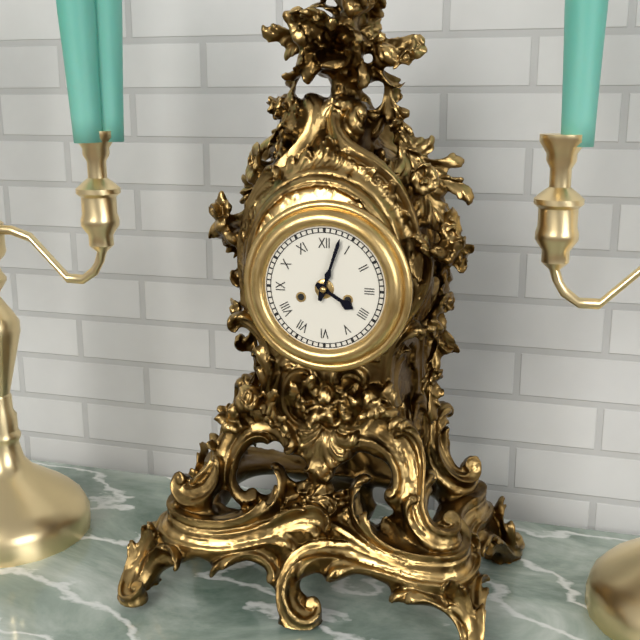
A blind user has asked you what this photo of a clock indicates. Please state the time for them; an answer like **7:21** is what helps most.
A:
**4:03**
